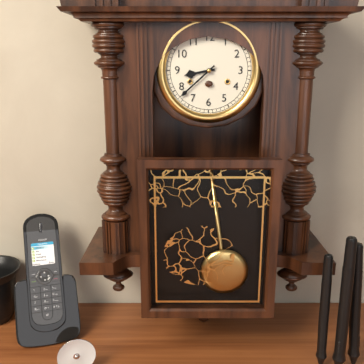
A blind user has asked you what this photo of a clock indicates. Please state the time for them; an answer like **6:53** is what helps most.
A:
**8:38**
